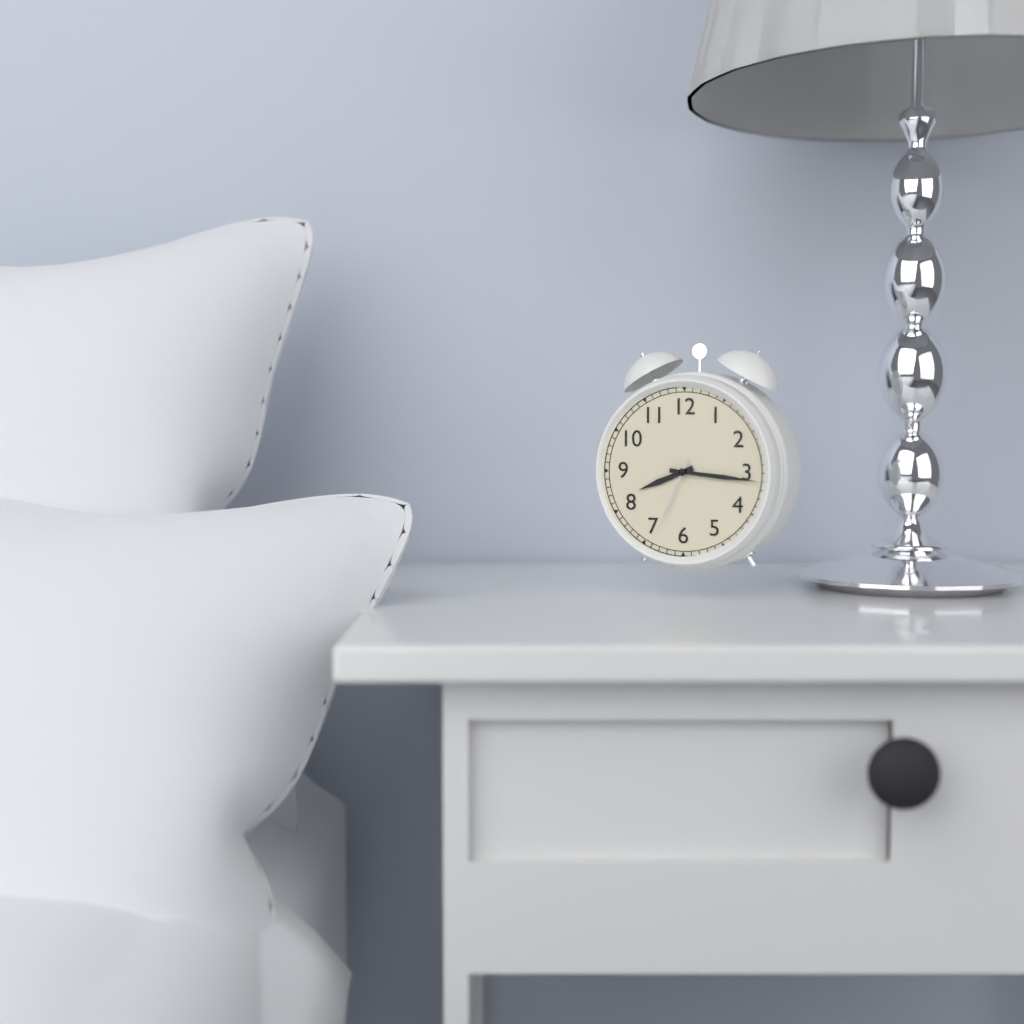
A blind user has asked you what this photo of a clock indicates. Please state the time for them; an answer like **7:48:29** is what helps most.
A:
**8:16:34**
